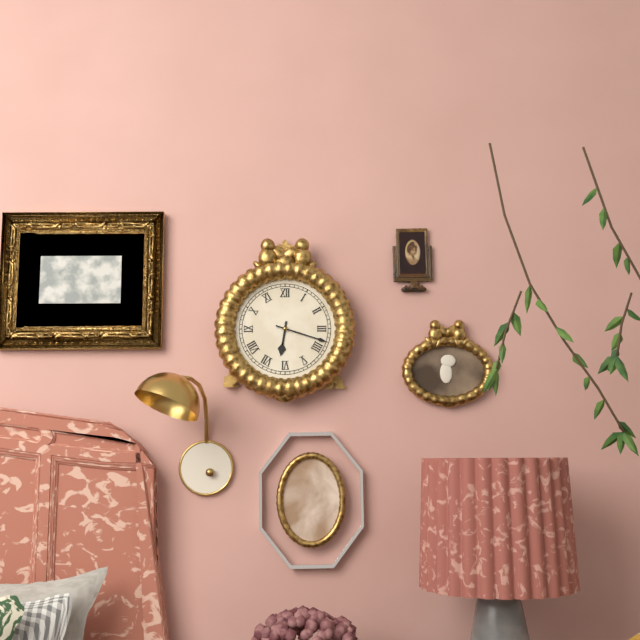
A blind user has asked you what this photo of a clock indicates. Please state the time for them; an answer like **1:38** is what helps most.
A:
**6:18**
